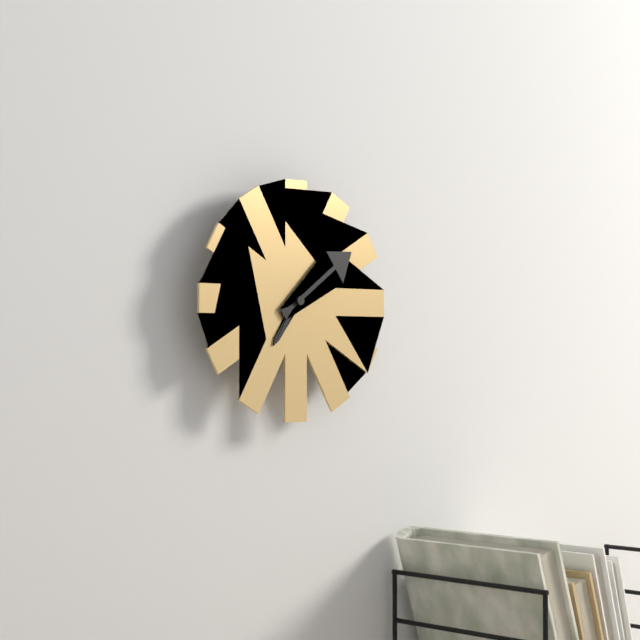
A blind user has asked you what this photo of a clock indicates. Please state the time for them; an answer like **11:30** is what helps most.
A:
**7:09**
